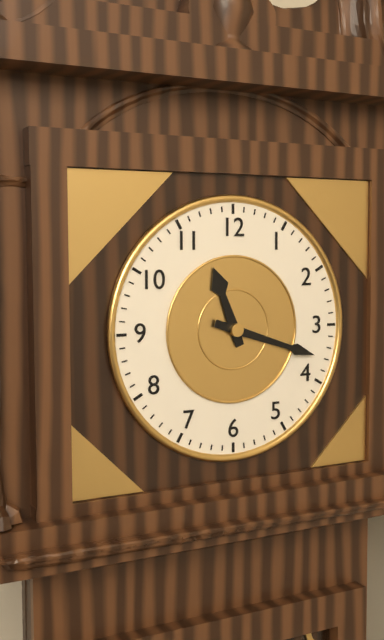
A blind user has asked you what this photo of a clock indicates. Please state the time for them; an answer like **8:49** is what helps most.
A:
**11:18**
